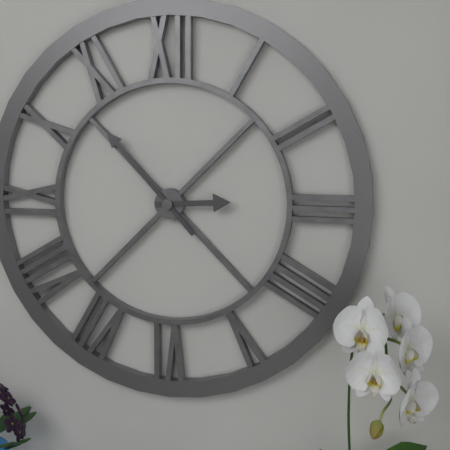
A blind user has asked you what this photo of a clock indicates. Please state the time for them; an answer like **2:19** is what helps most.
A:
**2:53**
